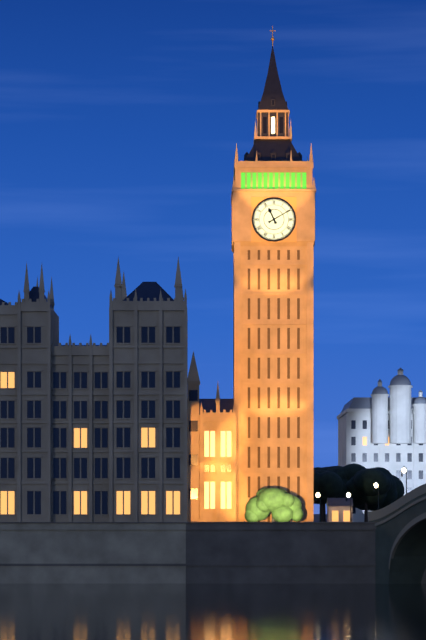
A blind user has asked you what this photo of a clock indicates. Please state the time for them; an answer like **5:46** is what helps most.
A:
**11:10**
